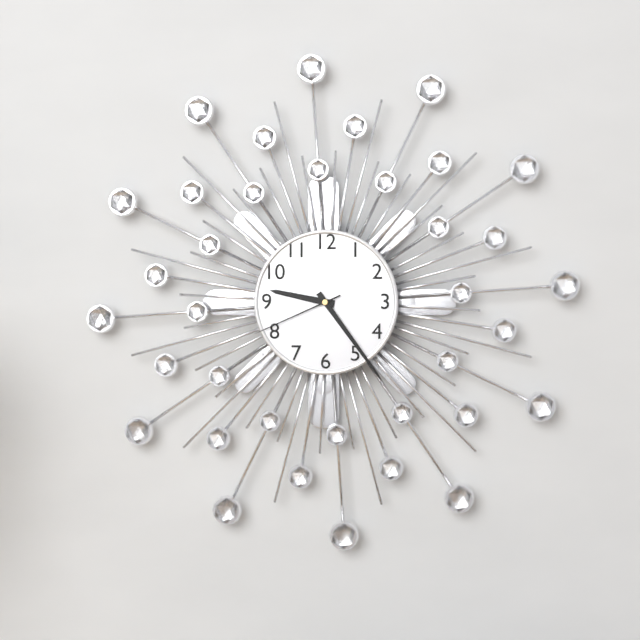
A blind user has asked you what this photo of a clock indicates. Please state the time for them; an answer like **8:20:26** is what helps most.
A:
**9:24:41**
